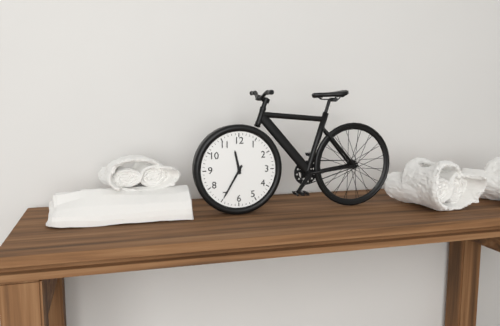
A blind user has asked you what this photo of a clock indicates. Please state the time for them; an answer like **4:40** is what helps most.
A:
**11:35**
